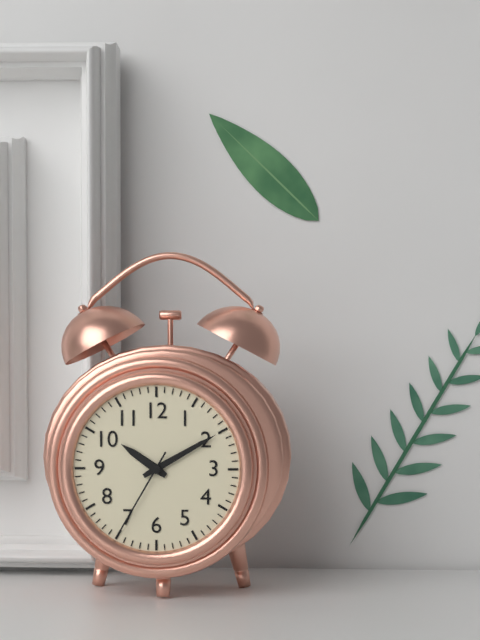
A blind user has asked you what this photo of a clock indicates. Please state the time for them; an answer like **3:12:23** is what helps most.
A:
**10:10:35**
